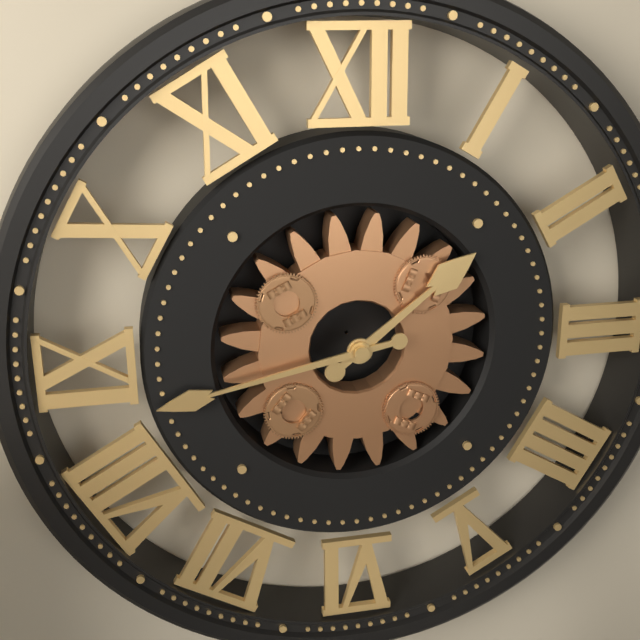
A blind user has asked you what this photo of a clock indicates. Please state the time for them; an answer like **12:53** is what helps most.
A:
**1:43**
